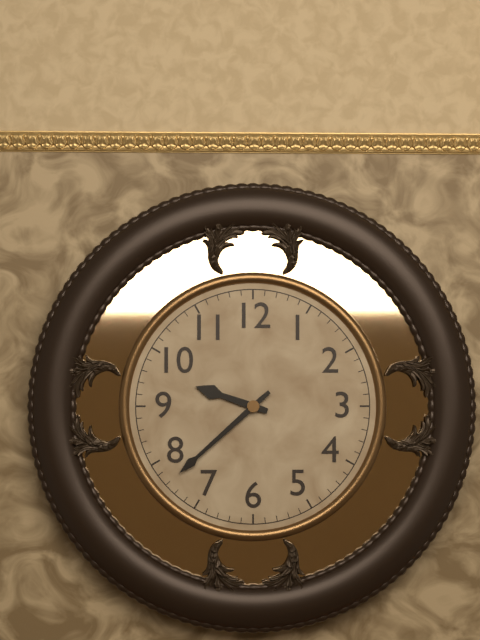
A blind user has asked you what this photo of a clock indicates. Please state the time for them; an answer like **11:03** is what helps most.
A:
**9:38**
